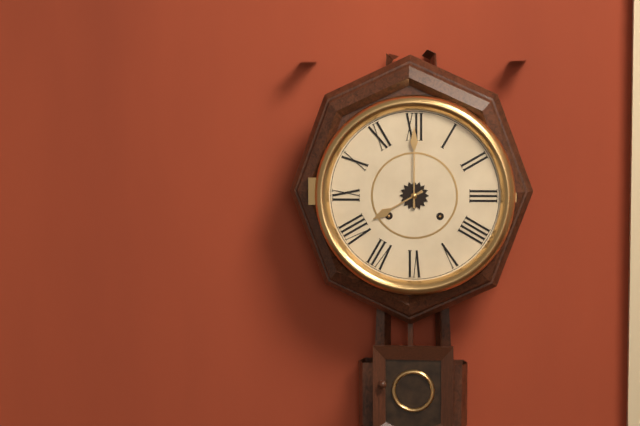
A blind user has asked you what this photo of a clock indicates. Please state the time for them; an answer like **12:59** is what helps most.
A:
**8:00**
